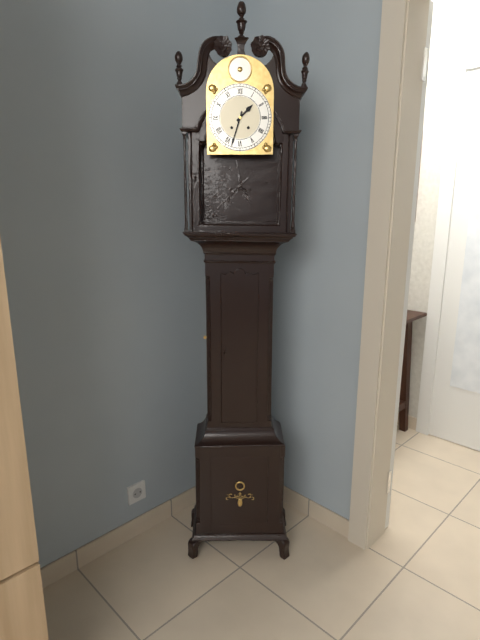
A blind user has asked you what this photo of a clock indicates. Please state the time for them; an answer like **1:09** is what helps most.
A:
**1:33**
